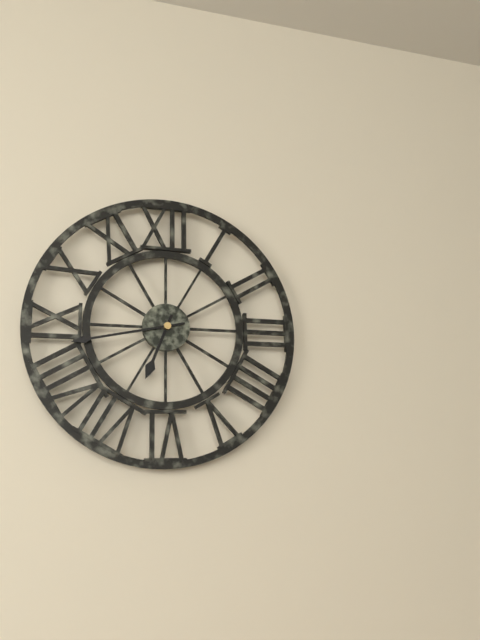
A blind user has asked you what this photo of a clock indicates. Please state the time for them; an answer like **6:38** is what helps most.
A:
**6:43**
